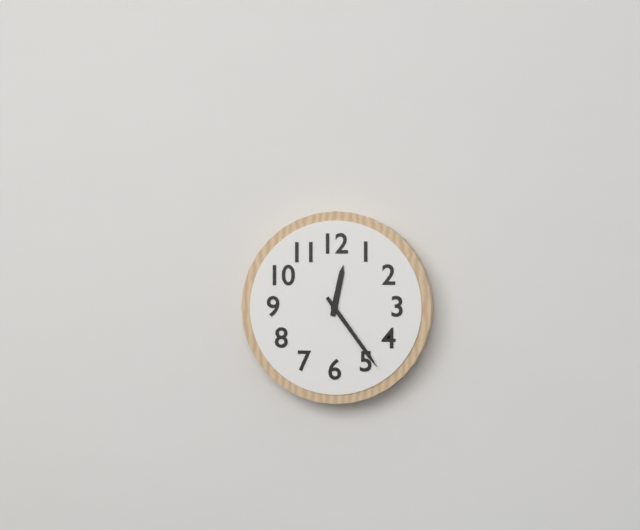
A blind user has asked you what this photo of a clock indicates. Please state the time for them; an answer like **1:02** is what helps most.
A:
**12:24**
